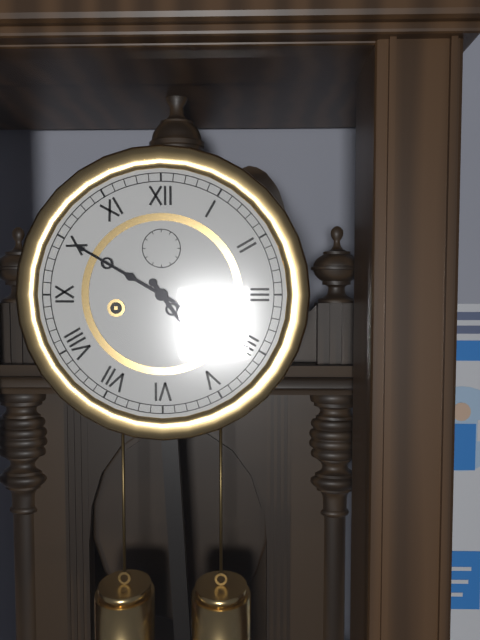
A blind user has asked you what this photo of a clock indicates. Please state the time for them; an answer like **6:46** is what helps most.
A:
**4:50**
